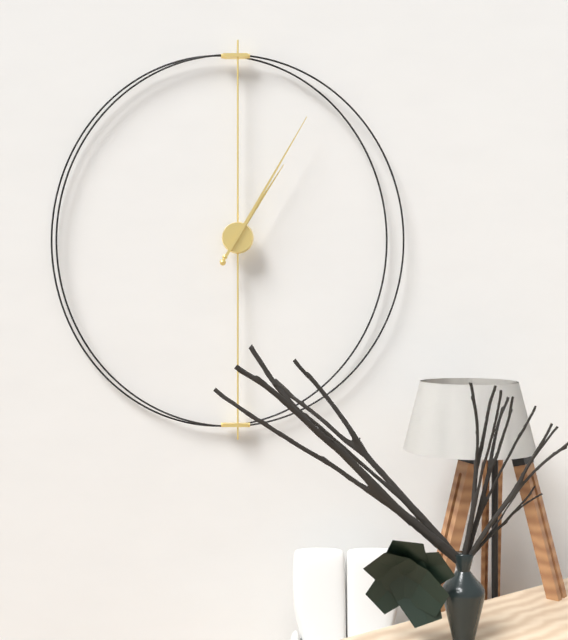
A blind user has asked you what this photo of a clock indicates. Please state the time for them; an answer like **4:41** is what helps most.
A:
**1:05**
